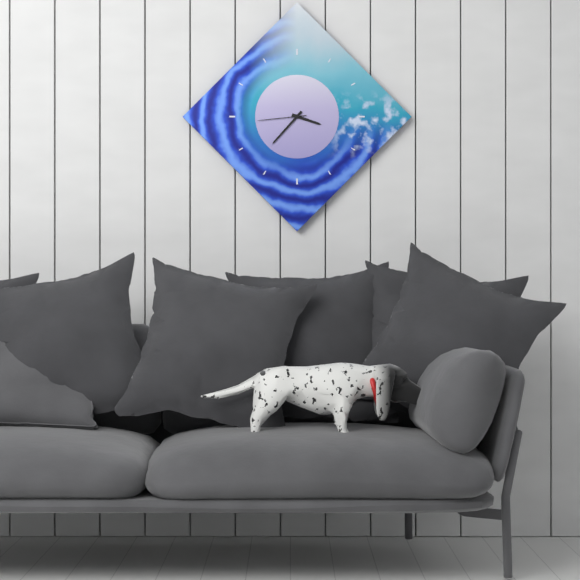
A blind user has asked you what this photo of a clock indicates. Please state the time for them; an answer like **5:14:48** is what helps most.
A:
**3:37:44**
